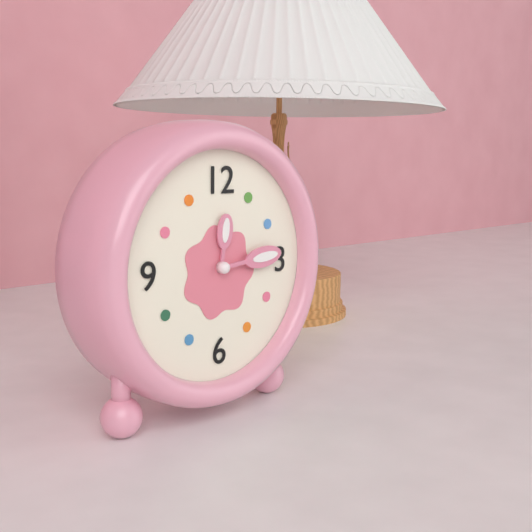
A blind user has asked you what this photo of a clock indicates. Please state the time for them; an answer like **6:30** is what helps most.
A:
**12:14**
